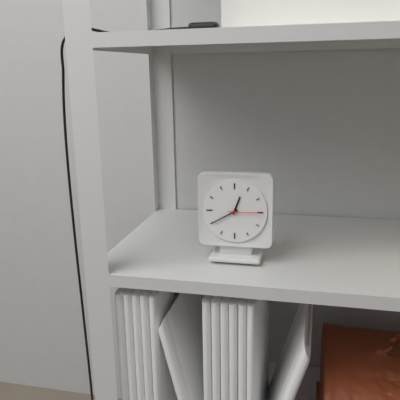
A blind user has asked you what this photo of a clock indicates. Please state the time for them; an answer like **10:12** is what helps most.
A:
**12:40**
